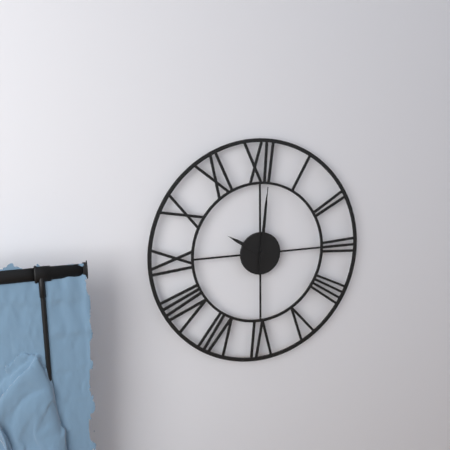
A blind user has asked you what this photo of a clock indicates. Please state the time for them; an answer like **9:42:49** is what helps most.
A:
**10:01:01**
